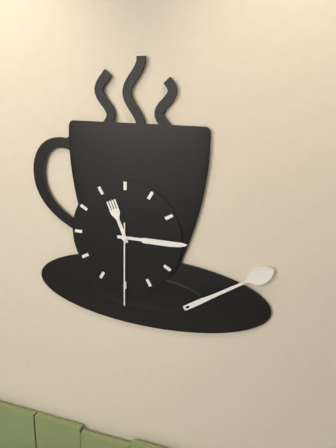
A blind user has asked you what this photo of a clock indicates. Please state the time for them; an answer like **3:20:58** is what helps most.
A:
**11:15:30**
